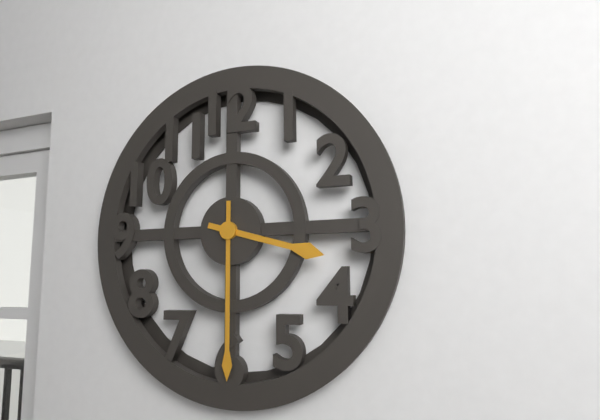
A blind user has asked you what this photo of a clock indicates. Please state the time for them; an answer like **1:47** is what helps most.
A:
**3:30**
